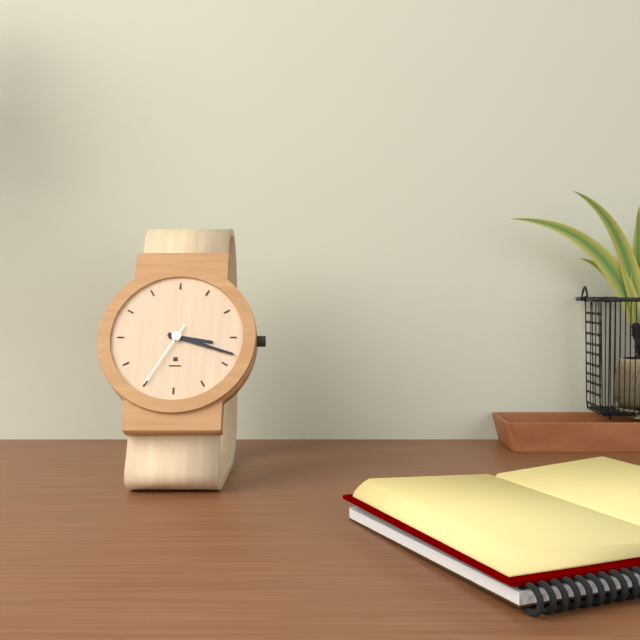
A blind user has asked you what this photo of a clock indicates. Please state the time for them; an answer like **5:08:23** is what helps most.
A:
**3:18:35**
